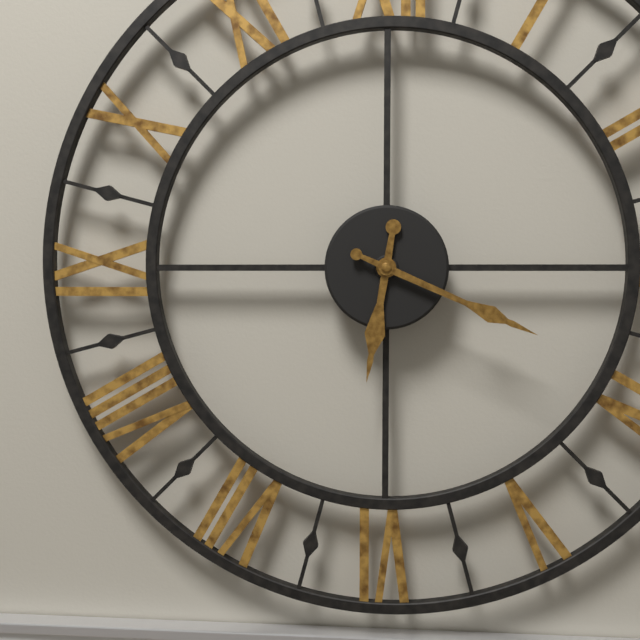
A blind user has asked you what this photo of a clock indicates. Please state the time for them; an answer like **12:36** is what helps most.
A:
**6:19**
